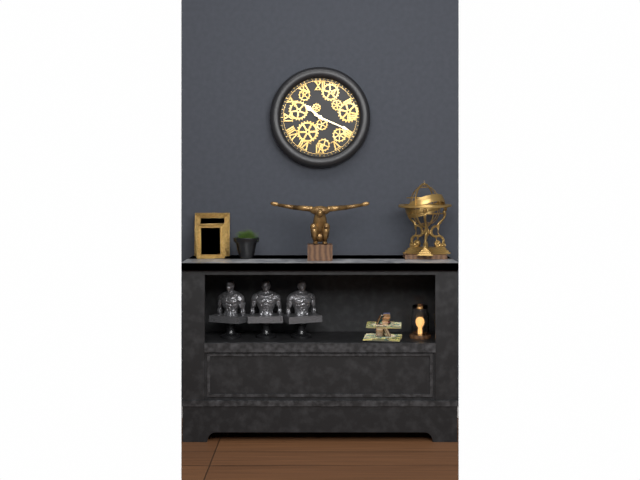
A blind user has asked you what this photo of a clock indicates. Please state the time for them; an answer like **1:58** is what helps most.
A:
**10:19**
